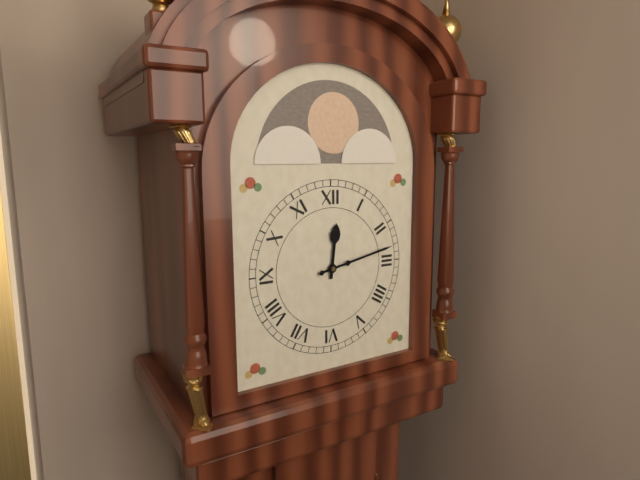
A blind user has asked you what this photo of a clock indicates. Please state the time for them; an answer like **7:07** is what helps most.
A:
**12:13**
